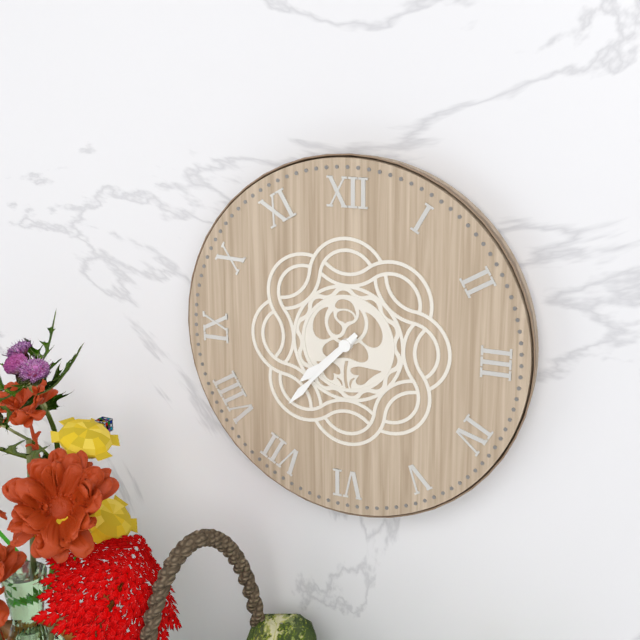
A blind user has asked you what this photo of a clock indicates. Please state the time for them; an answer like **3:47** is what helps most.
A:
**7:37**
